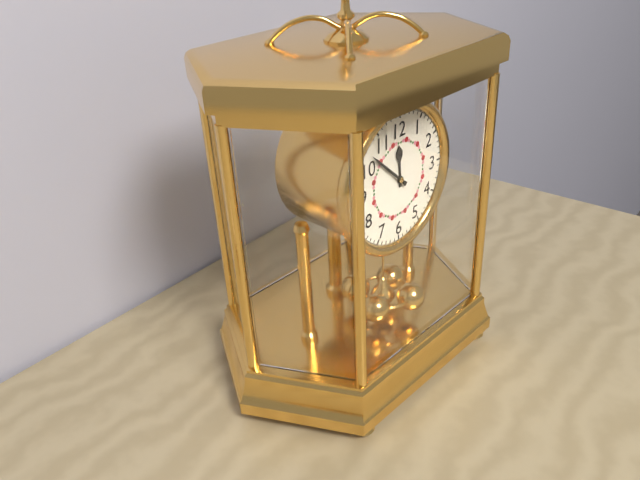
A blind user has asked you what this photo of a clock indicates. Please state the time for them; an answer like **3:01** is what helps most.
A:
**11:52**
